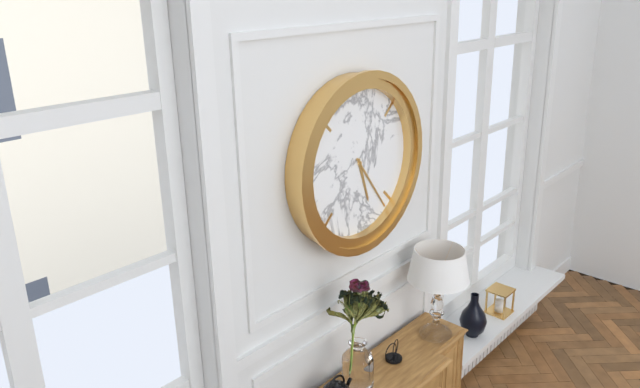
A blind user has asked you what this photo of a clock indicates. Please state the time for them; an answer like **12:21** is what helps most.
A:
**5:24**
